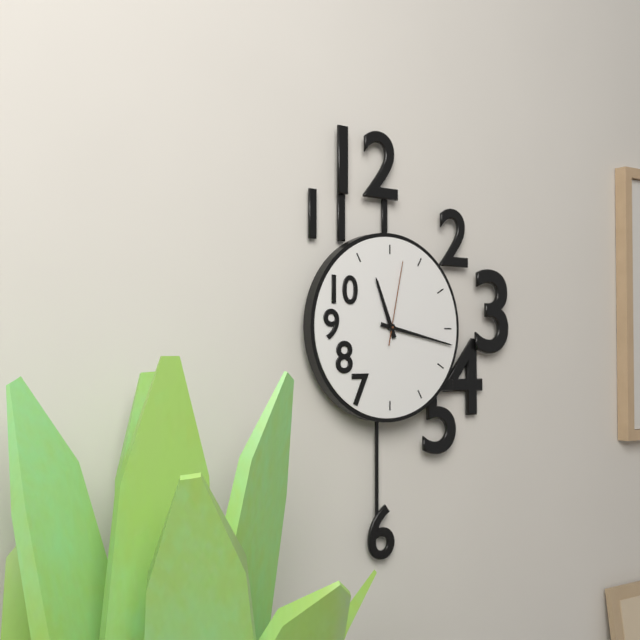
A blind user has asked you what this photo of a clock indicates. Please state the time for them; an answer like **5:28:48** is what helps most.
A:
**11:17:02**
